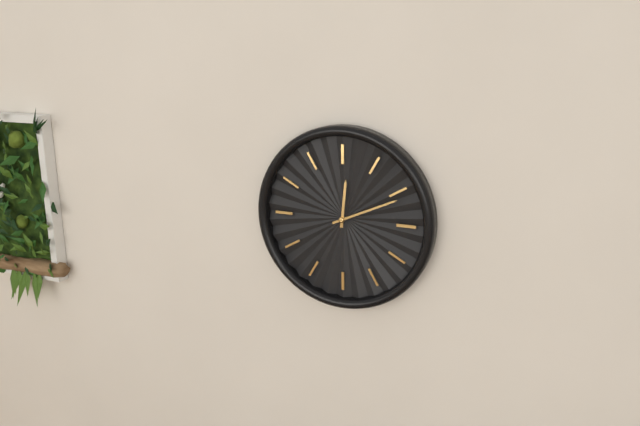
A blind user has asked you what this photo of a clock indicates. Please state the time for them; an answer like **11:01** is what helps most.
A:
**12:11**
